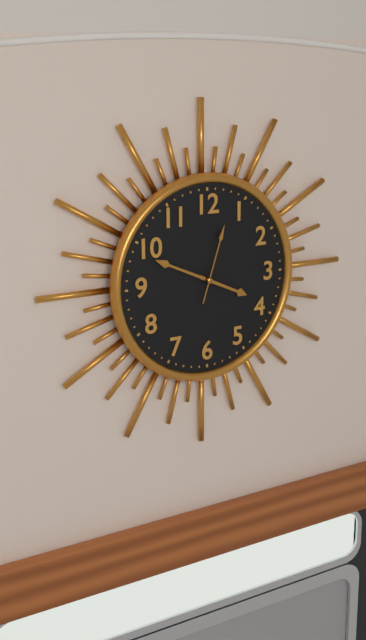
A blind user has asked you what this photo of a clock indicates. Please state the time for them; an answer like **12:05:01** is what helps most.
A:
**3:49:03**
